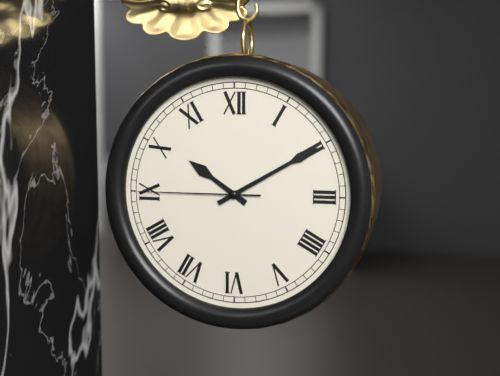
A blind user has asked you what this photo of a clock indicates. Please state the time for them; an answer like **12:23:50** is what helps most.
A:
**10:10:45**
